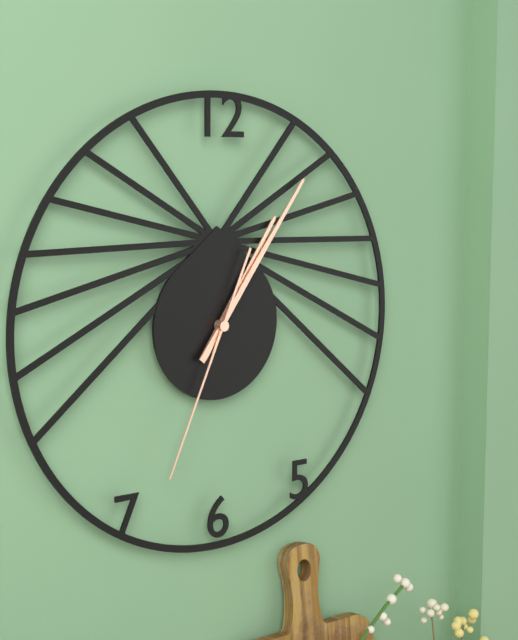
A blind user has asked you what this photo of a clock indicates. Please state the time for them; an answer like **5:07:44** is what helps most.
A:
**1:06:34**
